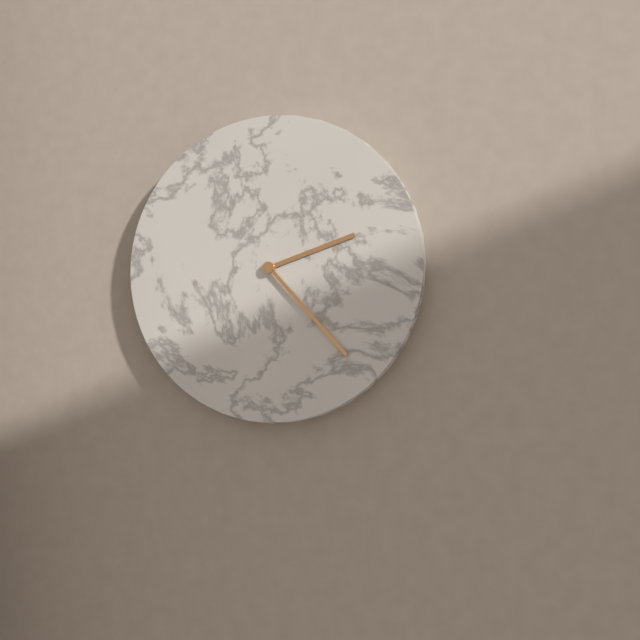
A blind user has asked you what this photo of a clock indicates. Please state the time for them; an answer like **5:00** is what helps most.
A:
**2:23**
